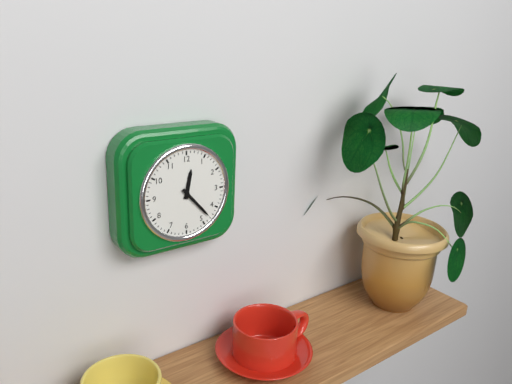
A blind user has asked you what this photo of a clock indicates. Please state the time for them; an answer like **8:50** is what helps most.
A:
**12:23**
